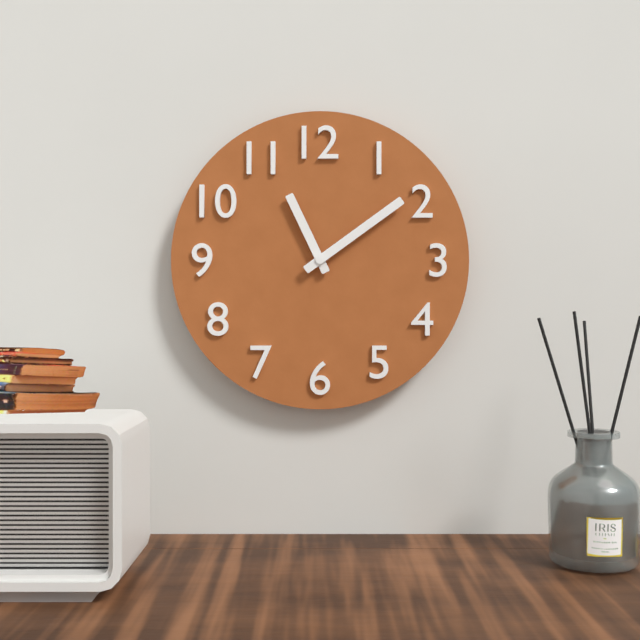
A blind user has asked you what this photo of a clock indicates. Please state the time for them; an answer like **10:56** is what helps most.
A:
**11:09**
